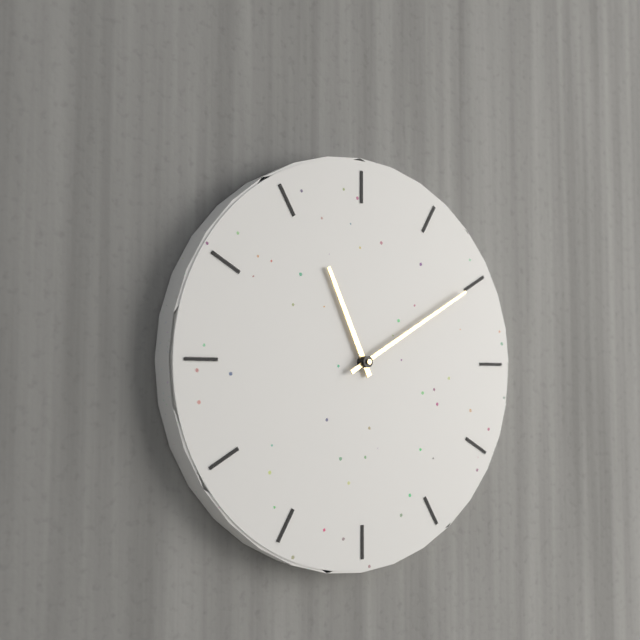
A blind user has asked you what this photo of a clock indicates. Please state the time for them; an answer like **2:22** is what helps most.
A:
**11:10**
